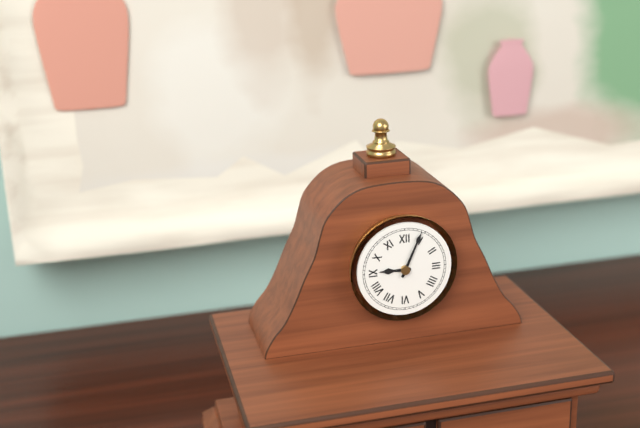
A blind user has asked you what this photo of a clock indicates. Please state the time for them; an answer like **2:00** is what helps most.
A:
**9:04**
